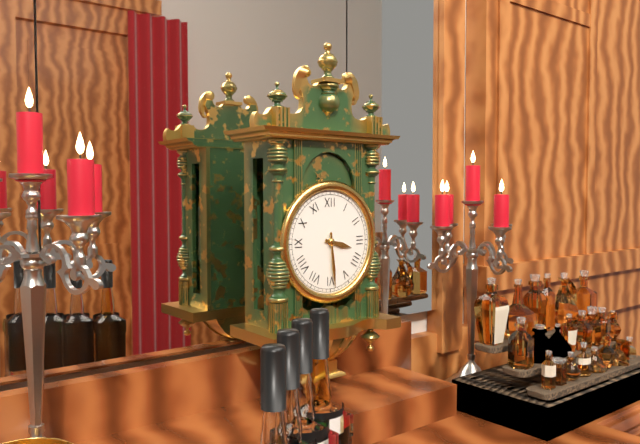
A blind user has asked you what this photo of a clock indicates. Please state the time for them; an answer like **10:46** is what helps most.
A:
**3:29**
